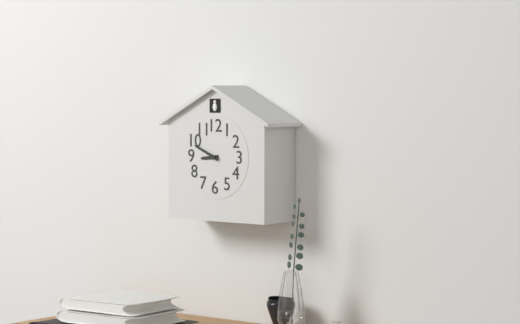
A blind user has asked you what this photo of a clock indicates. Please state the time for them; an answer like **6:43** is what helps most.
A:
**8:49**
